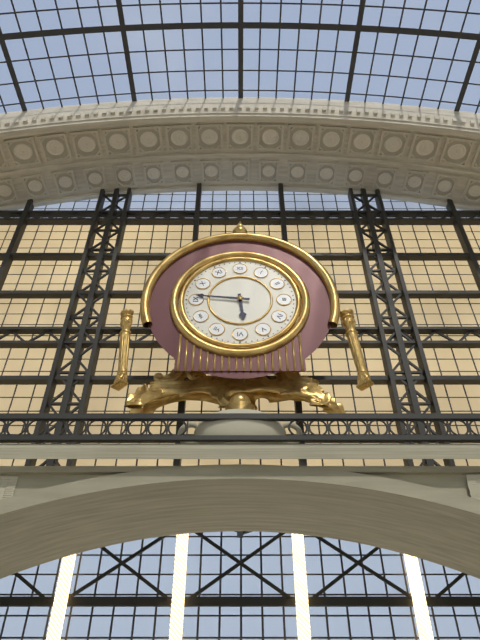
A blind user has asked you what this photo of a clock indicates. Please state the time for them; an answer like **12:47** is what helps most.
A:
**5:46**
